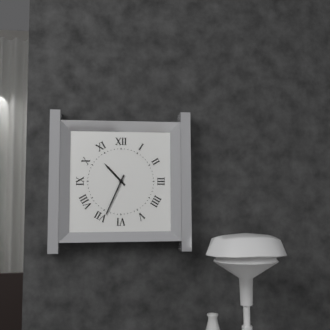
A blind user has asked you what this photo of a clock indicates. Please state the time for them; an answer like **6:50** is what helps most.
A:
**10:34**
